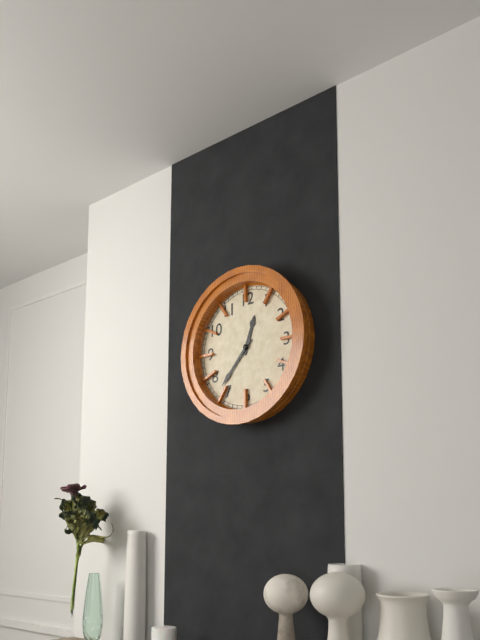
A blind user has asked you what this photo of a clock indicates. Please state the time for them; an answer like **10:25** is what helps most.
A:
**12:37**
